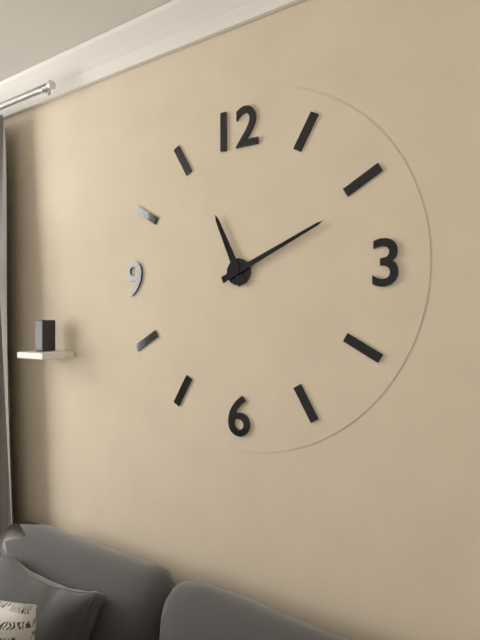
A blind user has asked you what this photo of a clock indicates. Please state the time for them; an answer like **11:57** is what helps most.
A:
**11:11**
